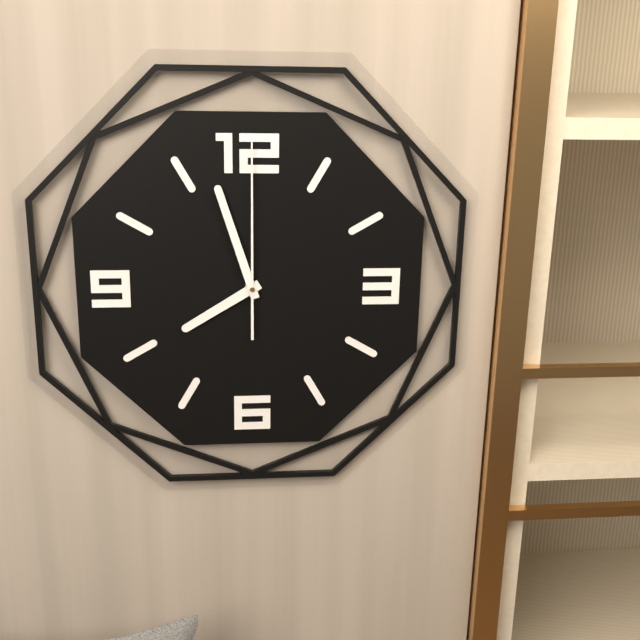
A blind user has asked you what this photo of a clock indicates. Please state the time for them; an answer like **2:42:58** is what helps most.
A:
**7:57:00**
